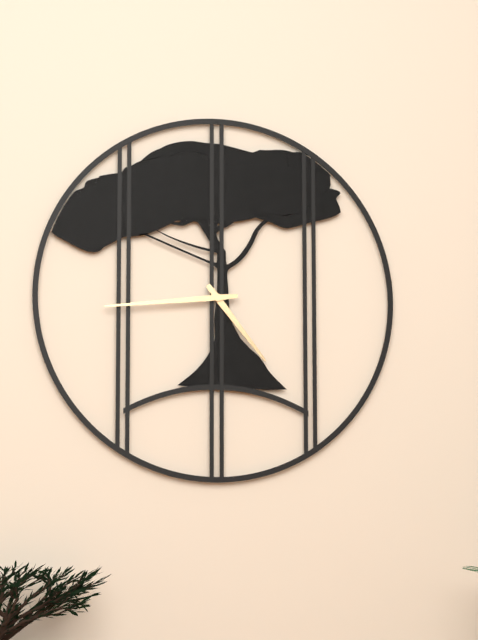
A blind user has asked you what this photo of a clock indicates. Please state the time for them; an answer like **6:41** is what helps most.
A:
**4:44**
